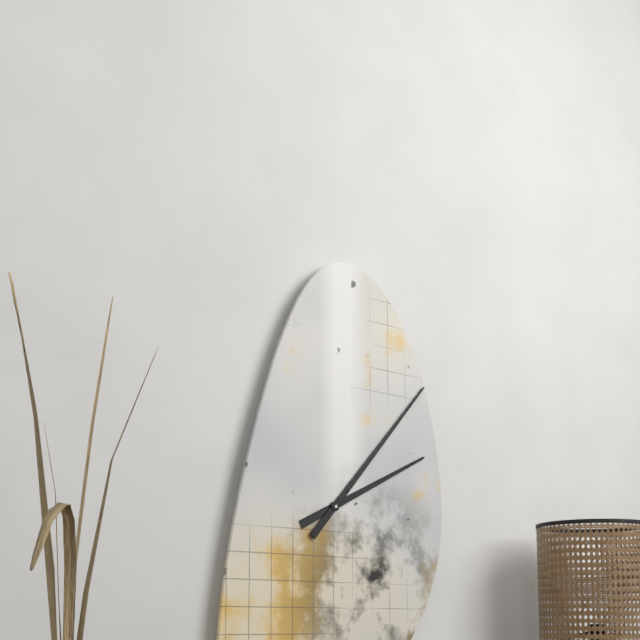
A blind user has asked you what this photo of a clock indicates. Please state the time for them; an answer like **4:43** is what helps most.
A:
**2:07**
